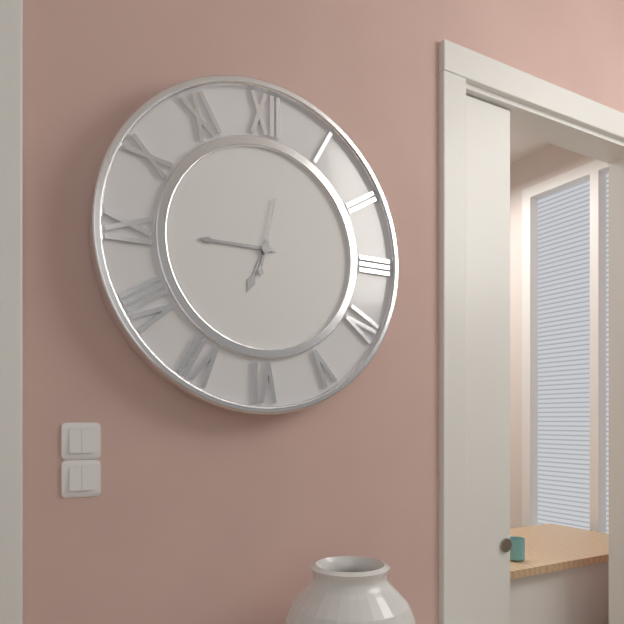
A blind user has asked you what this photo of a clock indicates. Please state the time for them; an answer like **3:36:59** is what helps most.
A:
**6:45:02**
